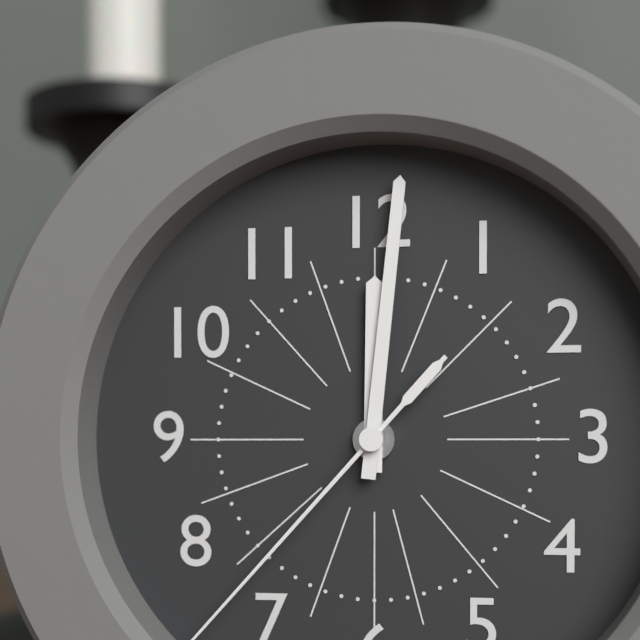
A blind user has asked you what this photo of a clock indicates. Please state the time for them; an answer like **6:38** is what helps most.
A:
**12:01**
